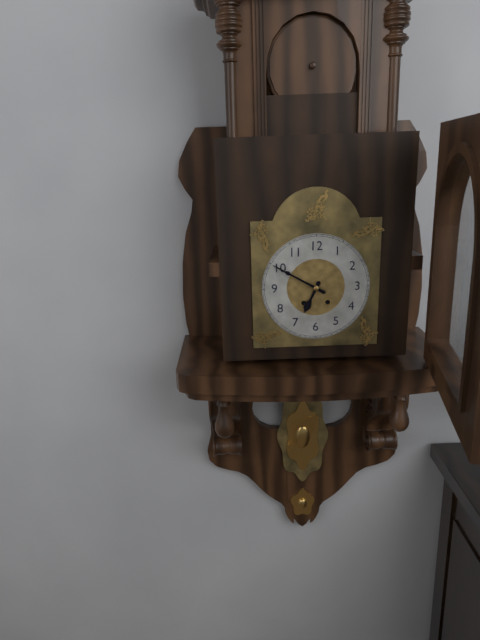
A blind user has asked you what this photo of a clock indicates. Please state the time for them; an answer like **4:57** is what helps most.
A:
**6:50**
